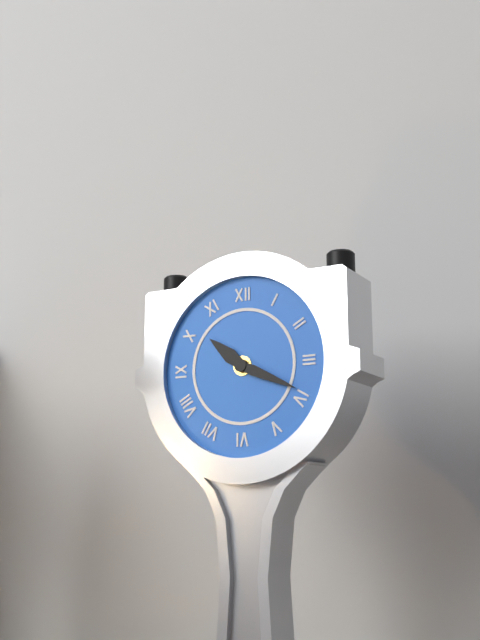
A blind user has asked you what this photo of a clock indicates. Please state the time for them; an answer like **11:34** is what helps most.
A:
**10:19**
